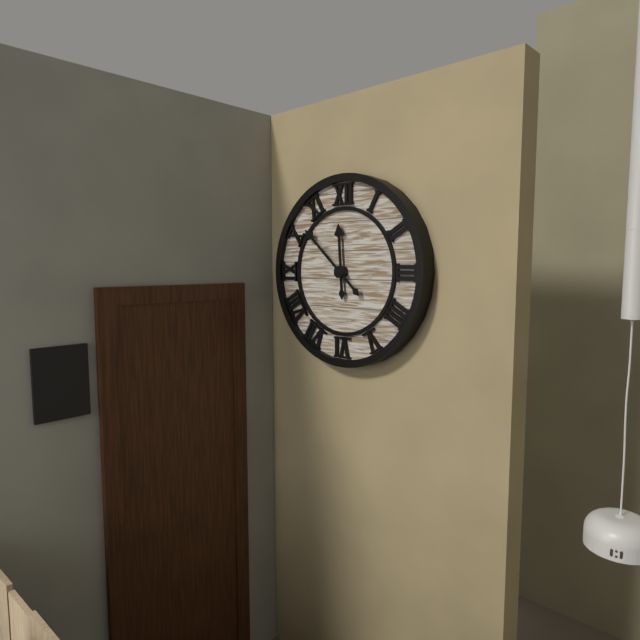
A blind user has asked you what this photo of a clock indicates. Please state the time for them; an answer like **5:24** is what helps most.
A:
**11:52**
